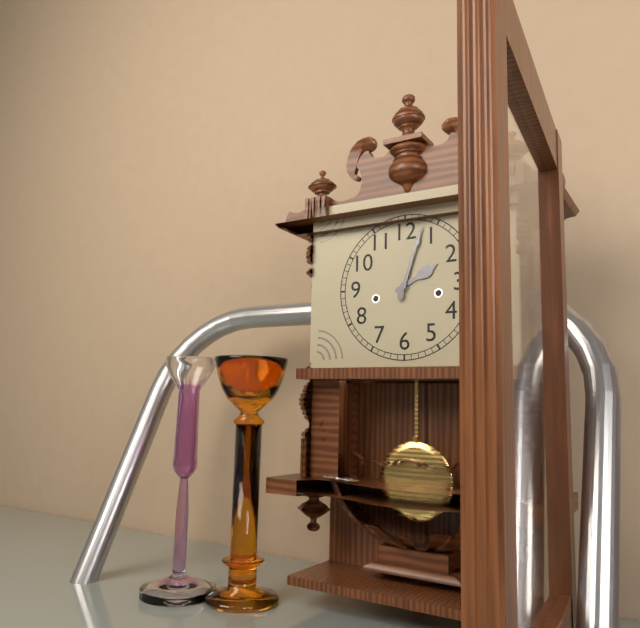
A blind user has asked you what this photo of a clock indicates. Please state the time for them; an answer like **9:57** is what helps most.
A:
**2:03**
